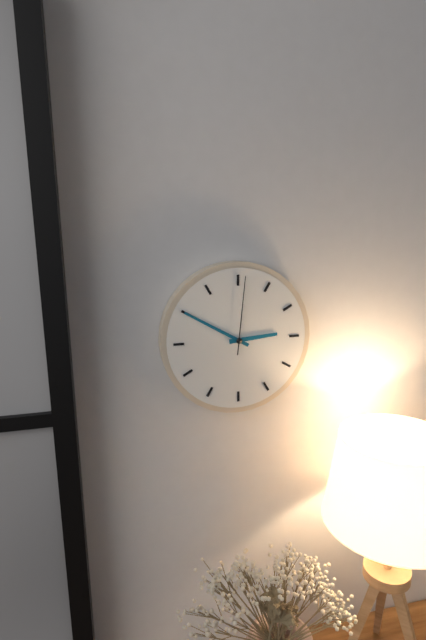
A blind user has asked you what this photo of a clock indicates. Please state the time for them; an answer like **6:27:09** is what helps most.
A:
**2:50:01**
